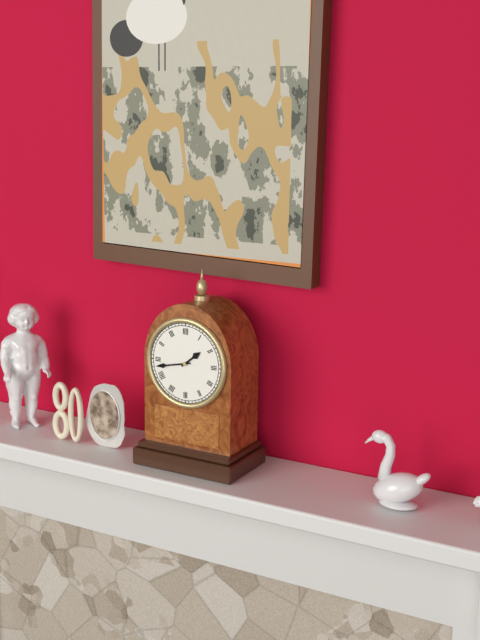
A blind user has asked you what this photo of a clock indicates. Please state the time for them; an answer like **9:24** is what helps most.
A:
**1:43**
